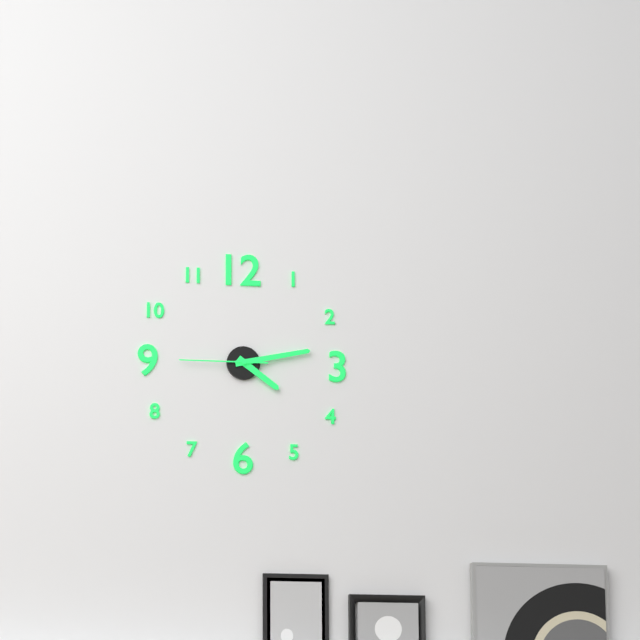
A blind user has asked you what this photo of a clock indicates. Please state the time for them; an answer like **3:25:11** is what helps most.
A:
**4:13:45**
